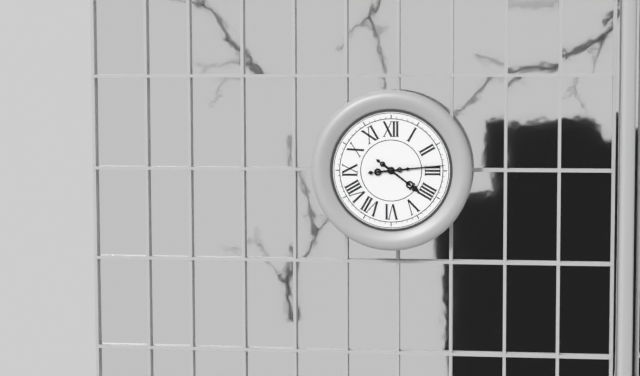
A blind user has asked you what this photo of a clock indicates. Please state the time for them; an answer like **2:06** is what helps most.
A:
**4:14**
